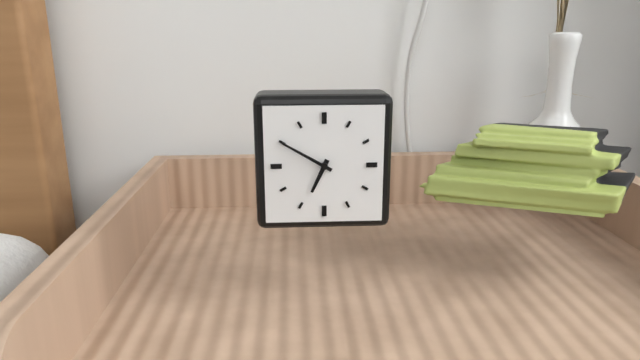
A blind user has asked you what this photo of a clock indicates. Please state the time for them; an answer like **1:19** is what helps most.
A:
**6:50**
